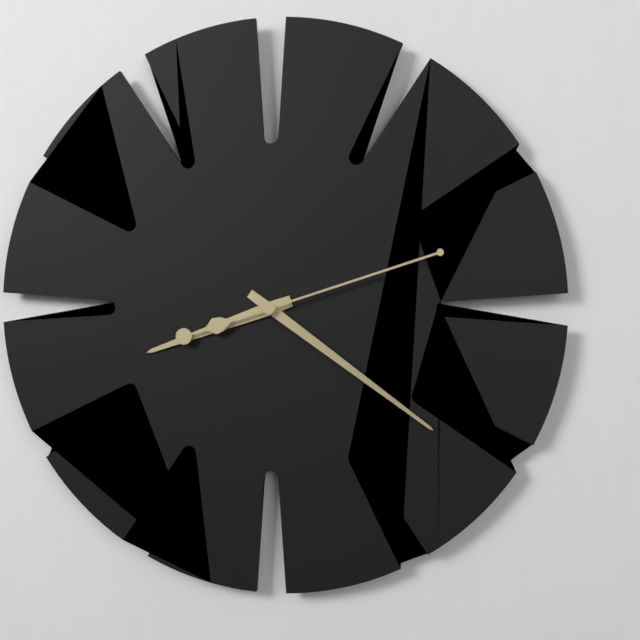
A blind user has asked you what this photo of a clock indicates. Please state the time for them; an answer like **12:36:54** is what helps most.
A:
**8:21:12**
